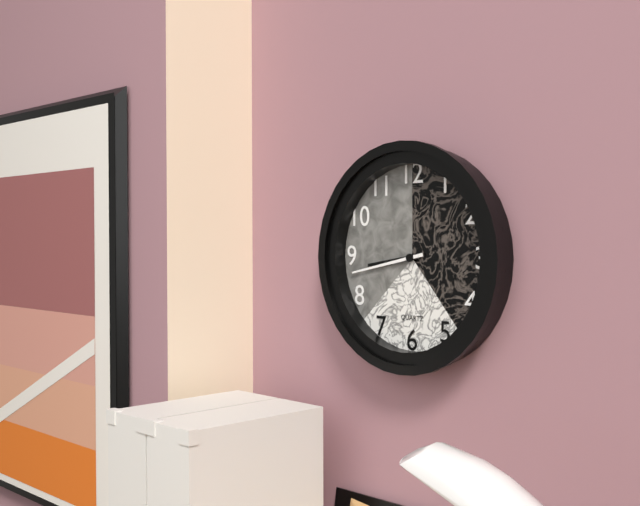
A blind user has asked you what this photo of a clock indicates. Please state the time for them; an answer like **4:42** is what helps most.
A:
**8:43**
